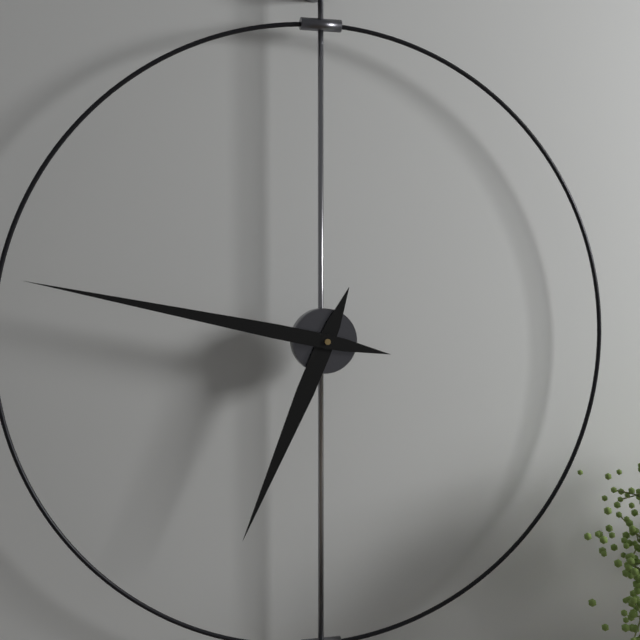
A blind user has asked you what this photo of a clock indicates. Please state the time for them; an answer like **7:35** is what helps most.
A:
**6:47**
